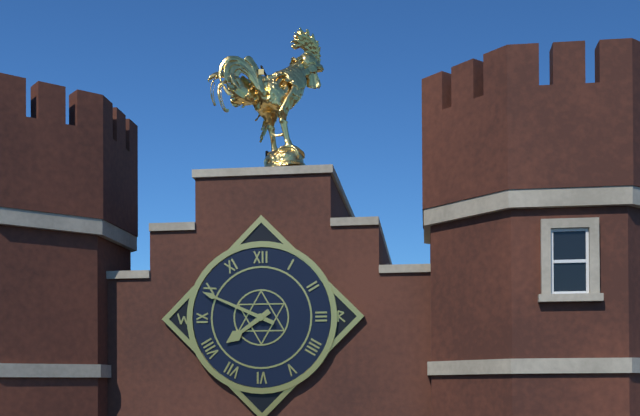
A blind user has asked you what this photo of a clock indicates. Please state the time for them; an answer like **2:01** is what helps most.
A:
**7:49**
